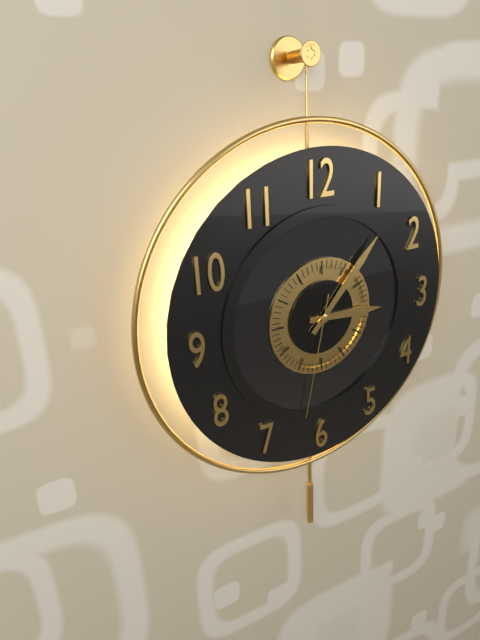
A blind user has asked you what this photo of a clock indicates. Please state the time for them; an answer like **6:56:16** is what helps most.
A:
**3:07:32**
